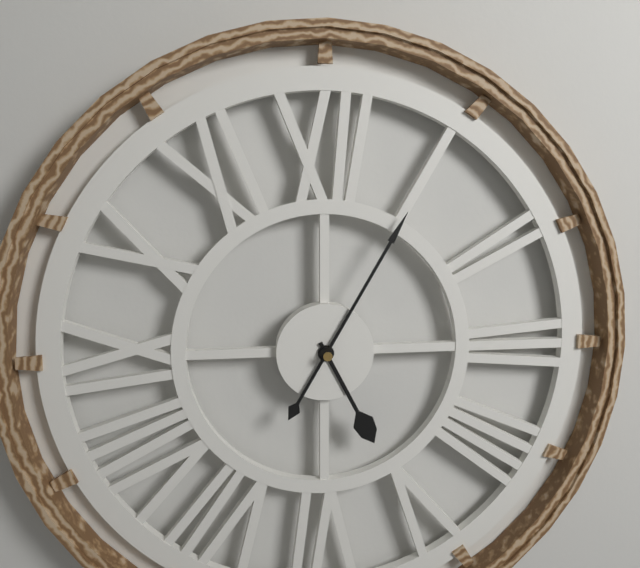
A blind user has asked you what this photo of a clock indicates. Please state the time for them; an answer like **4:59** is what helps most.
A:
**5:05**
